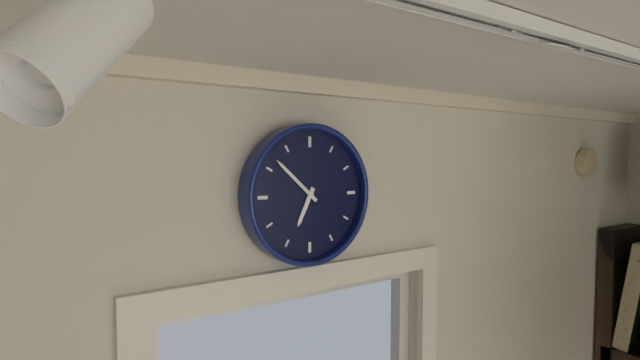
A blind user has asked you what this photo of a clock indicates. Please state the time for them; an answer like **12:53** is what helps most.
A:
**6:52**
